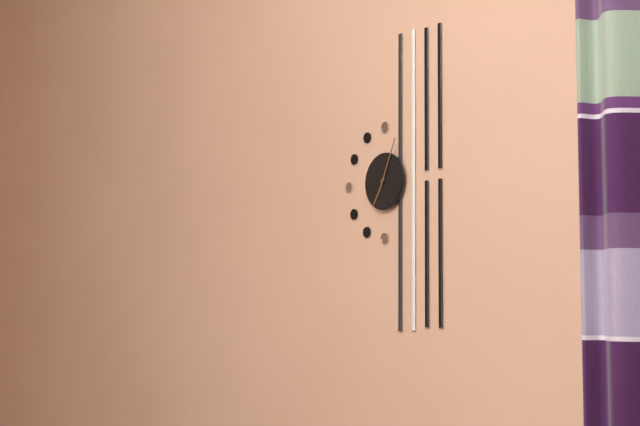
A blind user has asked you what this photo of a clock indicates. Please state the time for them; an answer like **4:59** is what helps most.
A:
**7:04**
